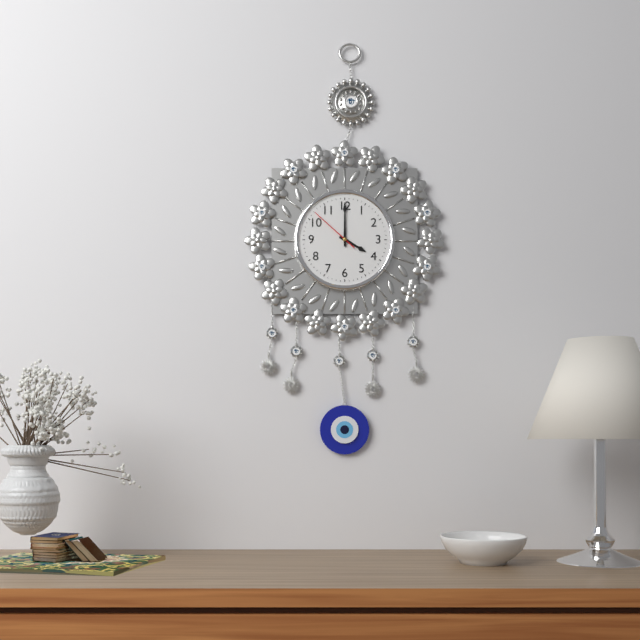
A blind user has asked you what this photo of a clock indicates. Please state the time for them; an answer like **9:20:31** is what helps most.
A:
**4:00:52**
